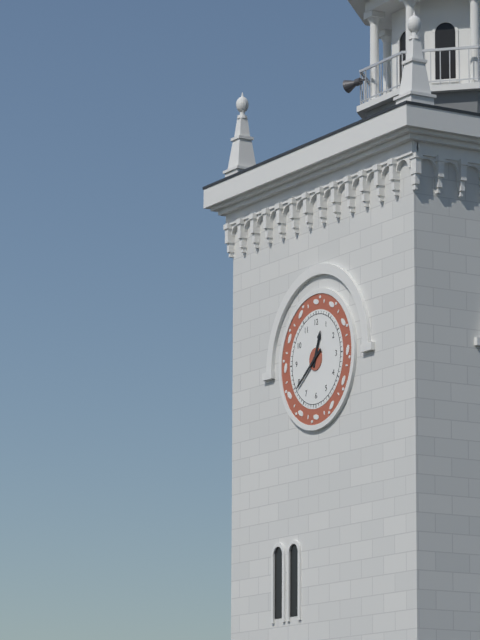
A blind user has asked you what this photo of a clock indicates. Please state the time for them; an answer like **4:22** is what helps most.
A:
**12:39**
